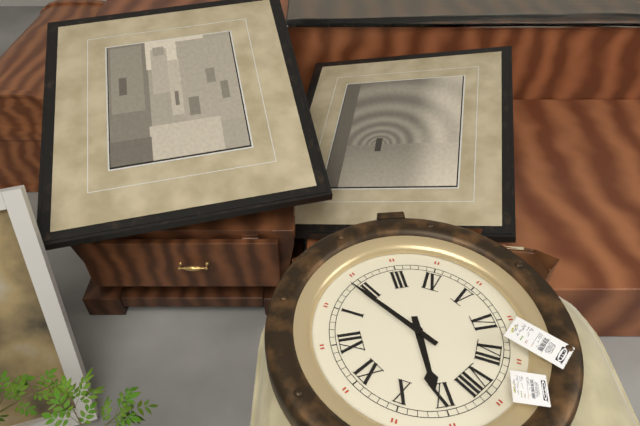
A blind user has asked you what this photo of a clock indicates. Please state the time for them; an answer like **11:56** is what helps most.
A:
**9:09**
